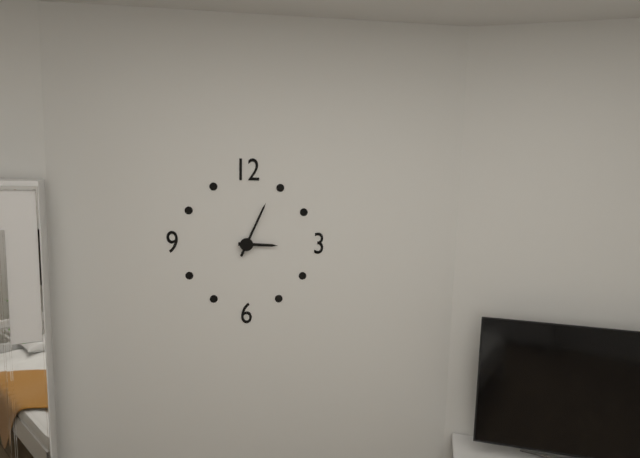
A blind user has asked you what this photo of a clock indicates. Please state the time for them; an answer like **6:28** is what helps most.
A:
**3:04**
